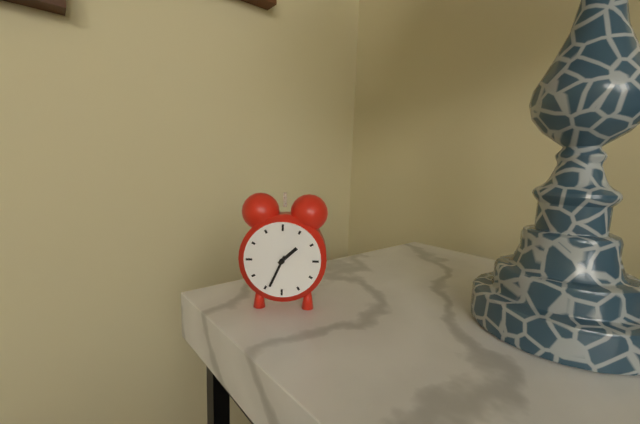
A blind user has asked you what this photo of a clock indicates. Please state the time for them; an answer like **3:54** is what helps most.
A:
**1:34**
